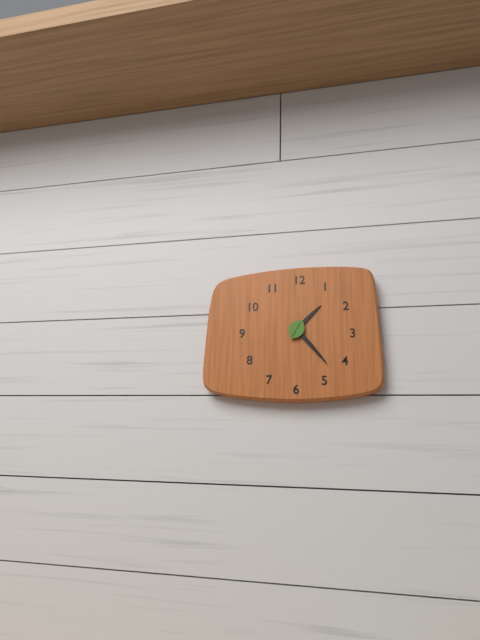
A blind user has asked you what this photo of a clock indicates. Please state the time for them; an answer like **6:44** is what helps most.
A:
**1:23**
